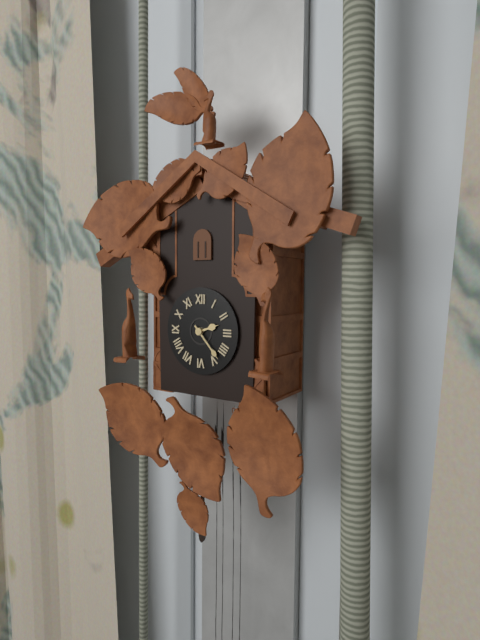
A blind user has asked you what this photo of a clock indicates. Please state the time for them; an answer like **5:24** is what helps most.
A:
**2:23**
